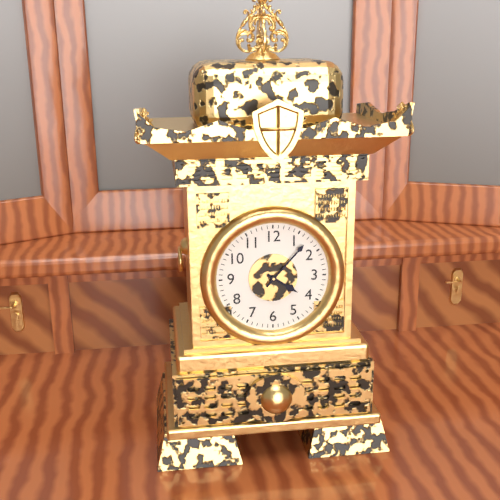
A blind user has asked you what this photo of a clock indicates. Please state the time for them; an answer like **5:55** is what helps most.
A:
**4:07**
